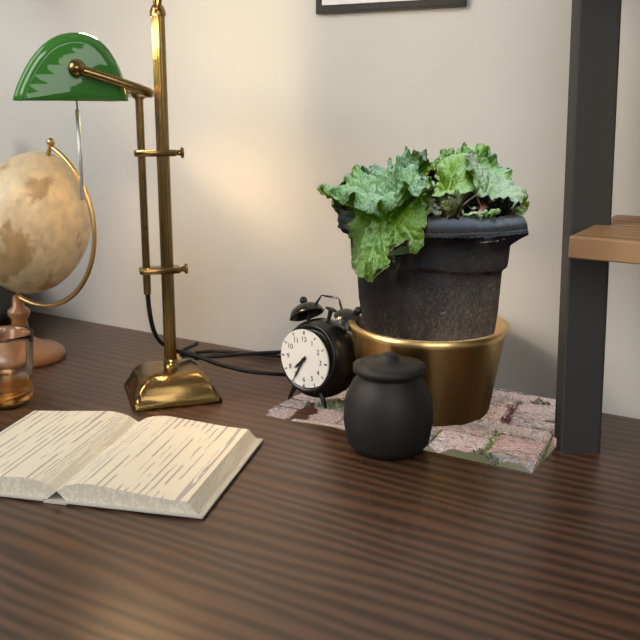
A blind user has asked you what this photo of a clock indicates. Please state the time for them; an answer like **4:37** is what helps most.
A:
**7:35**
